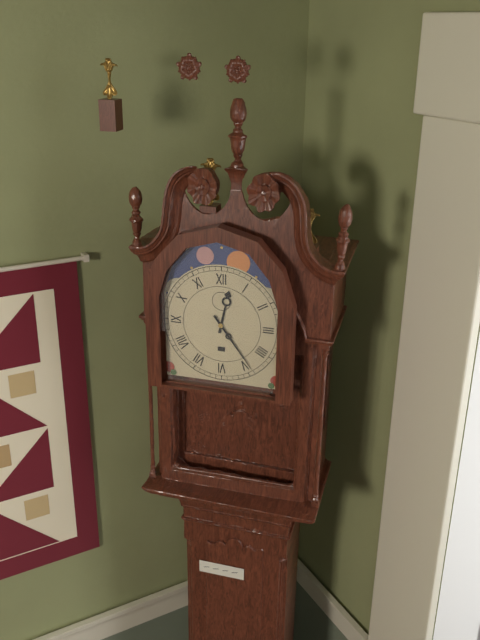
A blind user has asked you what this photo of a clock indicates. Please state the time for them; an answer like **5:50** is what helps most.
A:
**12:24**
